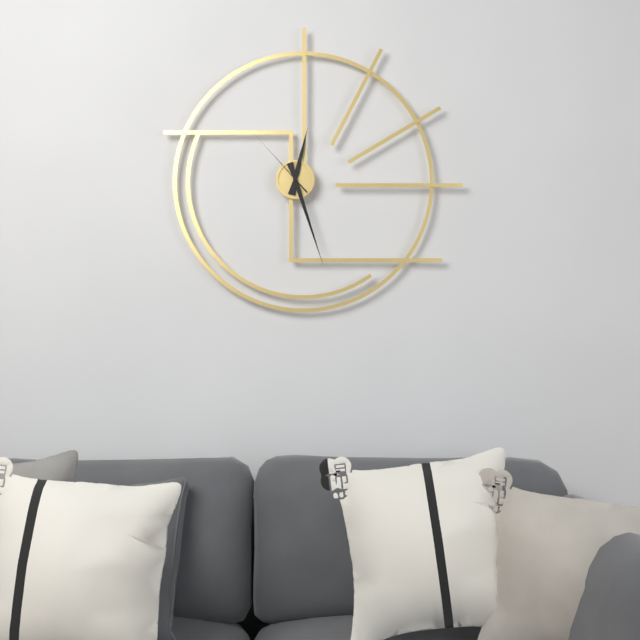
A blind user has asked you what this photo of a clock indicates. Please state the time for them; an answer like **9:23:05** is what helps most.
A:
**12:27:53**
